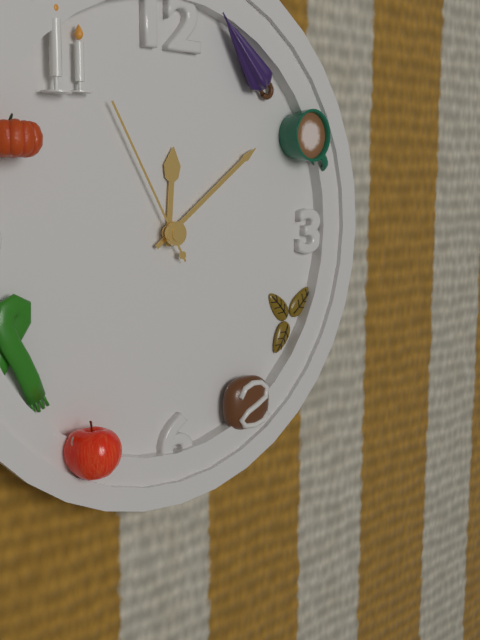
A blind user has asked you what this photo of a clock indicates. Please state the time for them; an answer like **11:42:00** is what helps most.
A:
**12:09:55**
